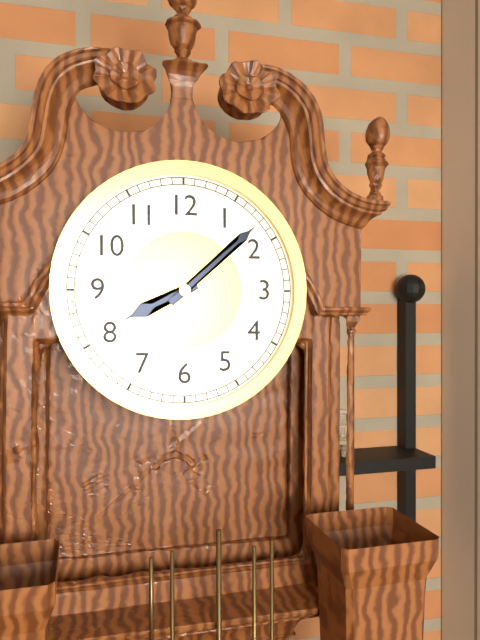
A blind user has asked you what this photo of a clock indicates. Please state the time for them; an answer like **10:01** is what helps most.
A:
**8:08**
